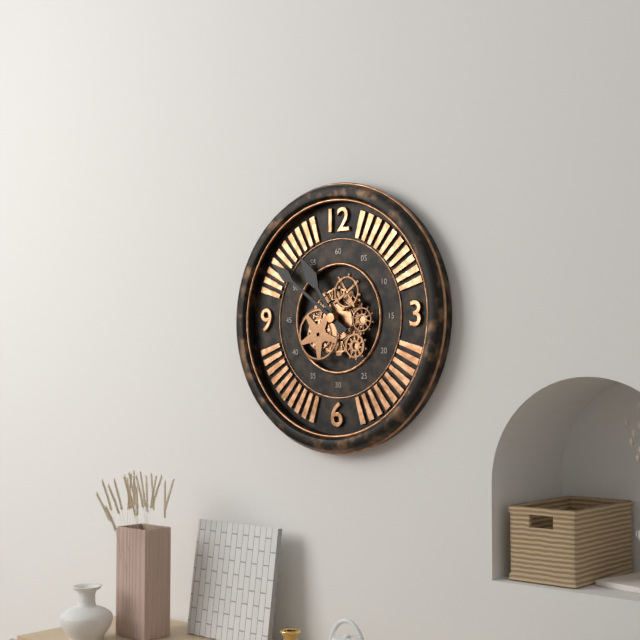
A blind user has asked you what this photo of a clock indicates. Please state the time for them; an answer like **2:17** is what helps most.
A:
**10:51**
